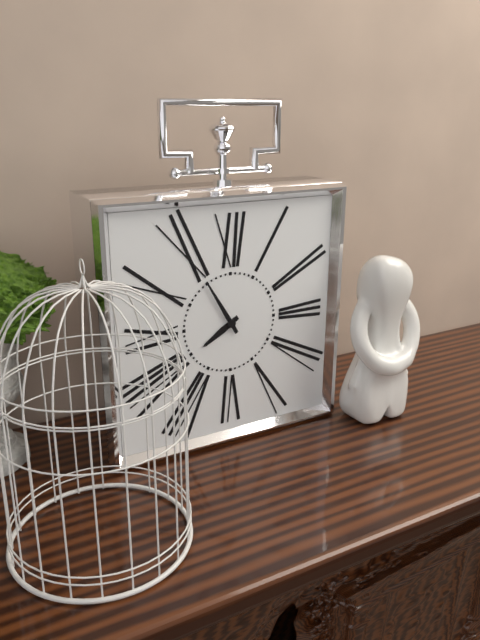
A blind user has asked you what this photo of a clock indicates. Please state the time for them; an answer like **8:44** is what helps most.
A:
**7:55**
